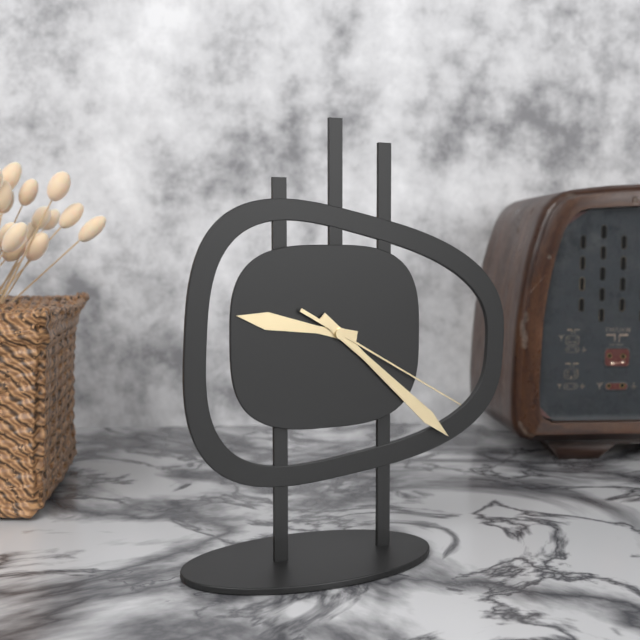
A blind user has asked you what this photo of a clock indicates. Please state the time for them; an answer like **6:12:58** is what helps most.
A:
**9:22:20**
